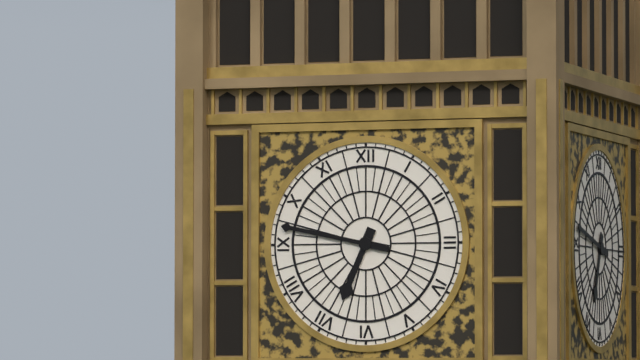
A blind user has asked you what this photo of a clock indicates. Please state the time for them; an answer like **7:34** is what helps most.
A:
**6:47**
